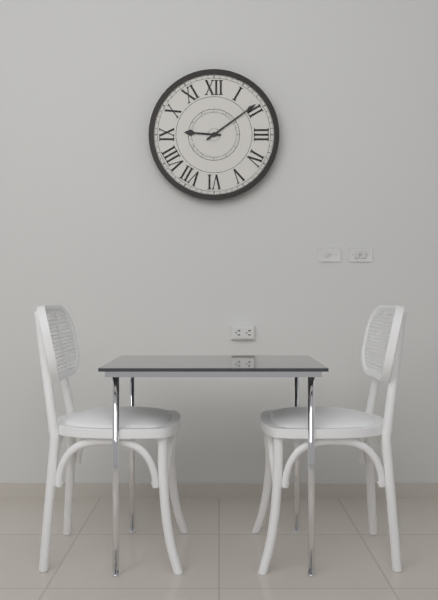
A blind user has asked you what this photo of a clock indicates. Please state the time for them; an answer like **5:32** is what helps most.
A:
**9:09**
